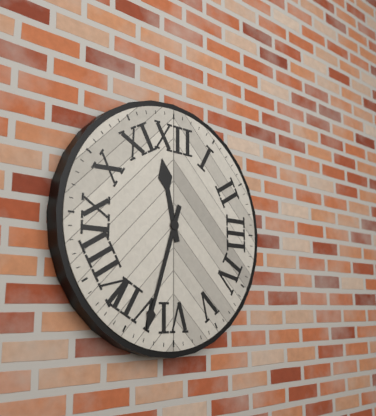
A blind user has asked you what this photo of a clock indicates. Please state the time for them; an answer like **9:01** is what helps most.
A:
**11:33**
